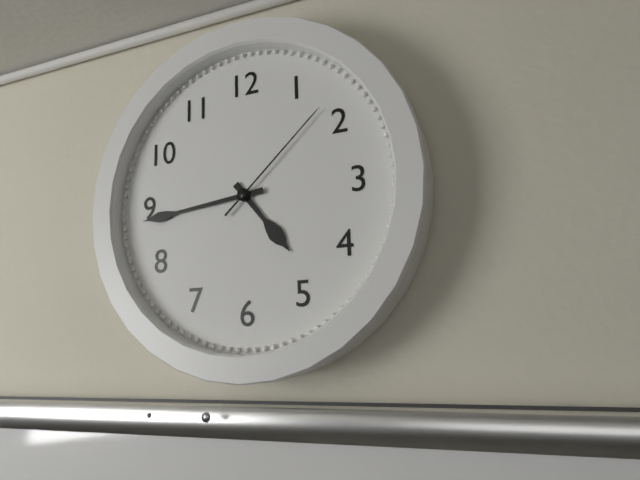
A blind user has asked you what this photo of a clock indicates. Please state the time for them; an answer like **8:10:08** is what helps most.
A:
**4:44:08**
